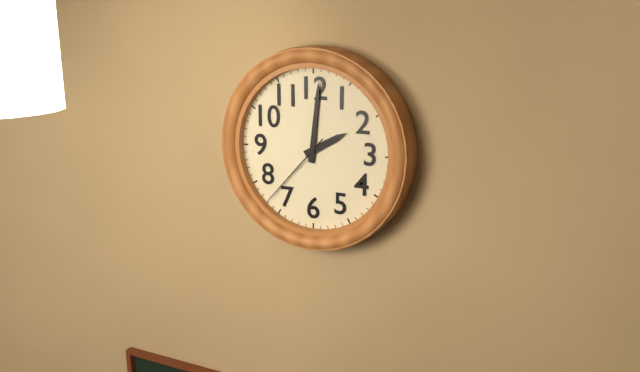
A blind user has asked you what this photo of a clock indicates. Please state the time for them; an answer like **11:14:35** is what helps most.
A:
**2:01:37**
